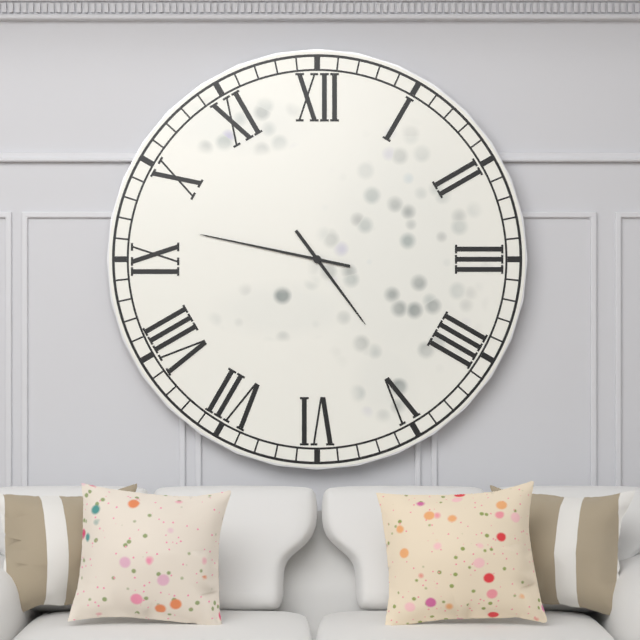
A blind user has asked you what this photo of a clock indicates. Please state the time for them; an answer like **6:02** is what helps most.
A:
**4:47**
